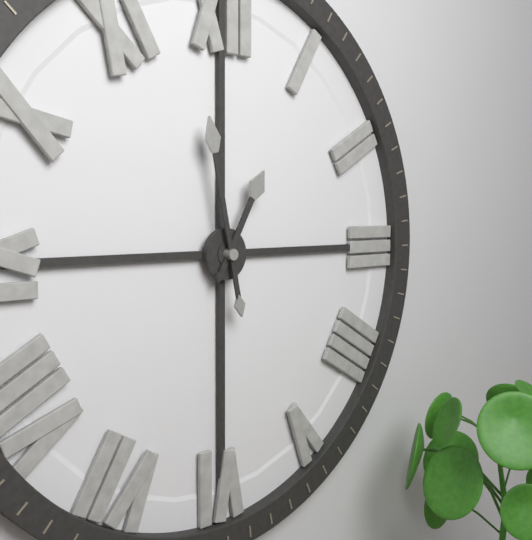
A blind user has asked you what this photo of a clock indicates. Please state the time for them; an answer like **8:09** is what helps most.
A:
**12:58**
